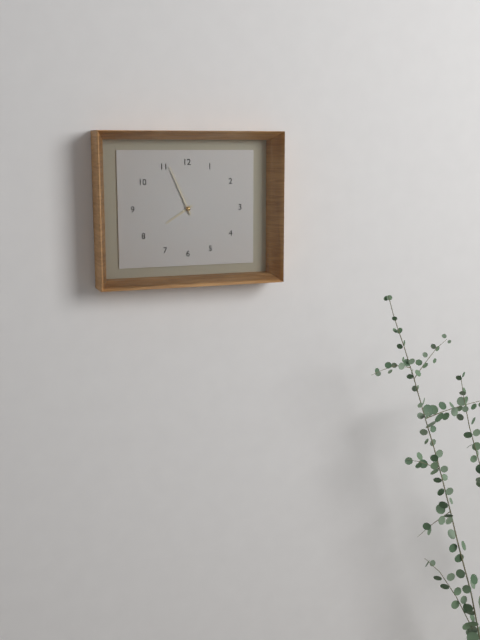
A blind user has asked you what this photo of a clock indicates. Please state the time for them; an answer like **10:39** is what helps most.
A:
**7:56**
